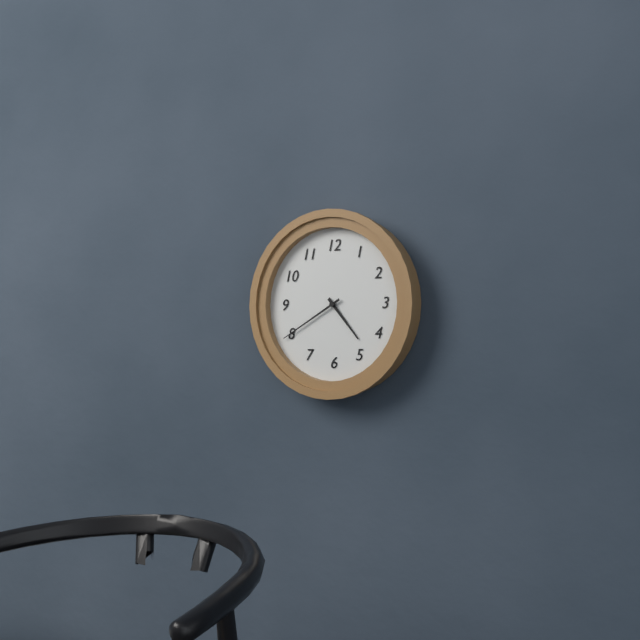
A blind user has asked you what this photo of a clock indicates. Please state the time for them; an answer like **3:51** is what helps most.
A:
**4:40**
